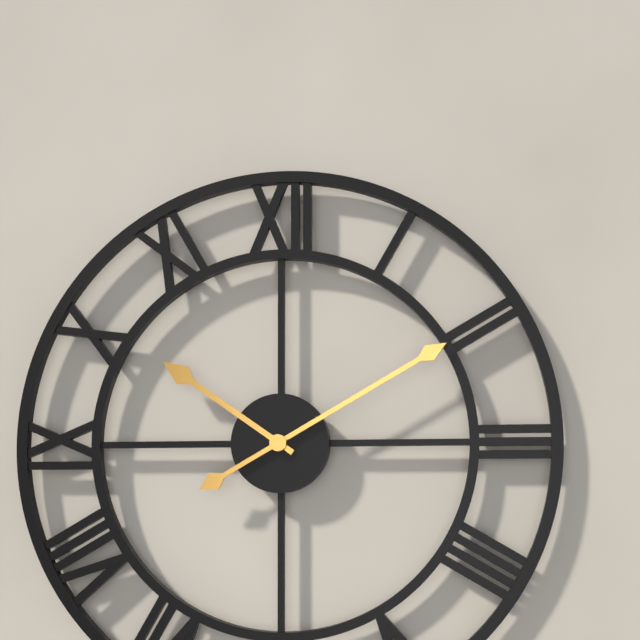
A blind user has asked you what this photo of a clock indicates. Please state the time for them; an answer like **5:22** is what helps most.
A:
**10:10**
